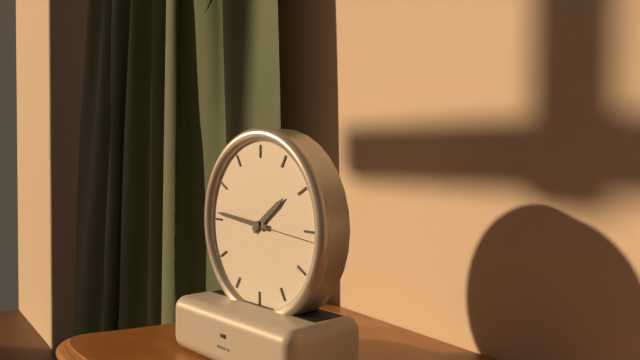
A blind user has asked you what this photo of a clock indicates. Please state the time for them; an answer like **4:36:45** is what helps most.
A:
**1:46:16**
